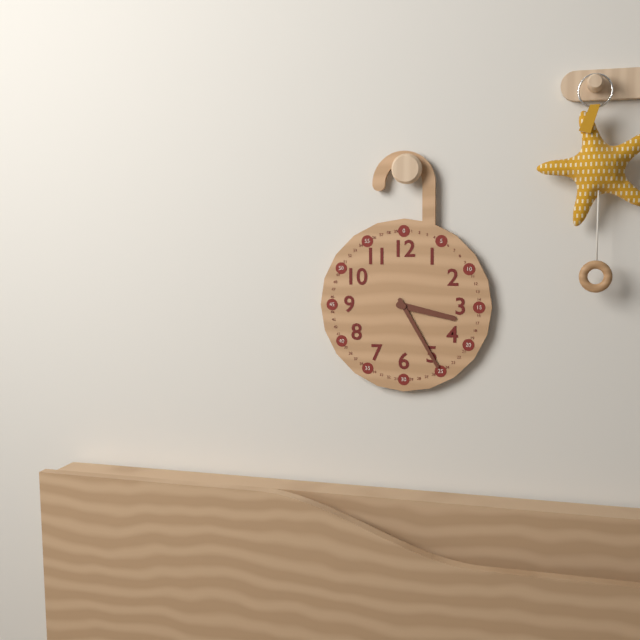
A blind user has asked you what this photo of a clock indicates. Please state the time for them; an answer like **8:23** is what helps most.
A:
**3:25**
